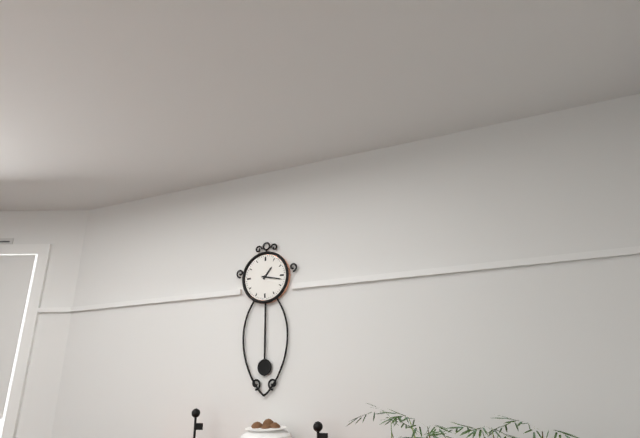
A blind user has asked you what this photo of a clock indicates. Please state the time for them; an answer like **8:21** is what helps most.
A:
**1:17**
